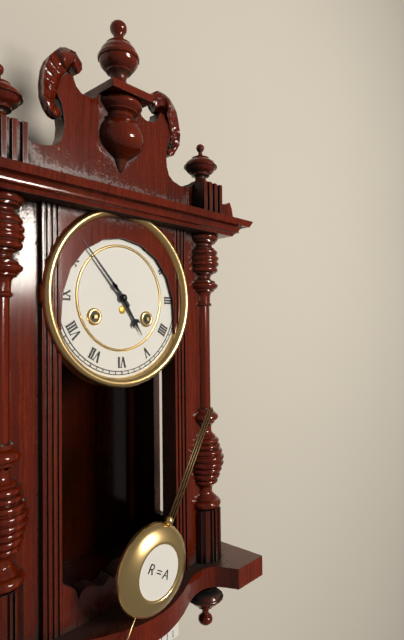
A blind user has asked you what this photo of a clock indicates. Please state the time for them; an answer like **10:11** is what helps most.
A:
**4:53**
